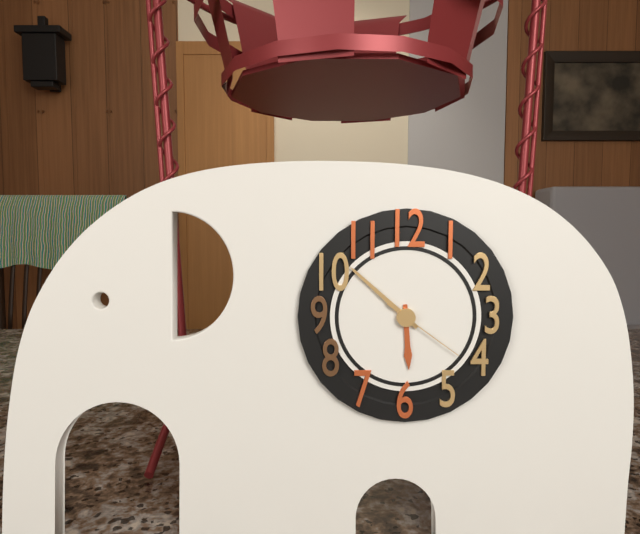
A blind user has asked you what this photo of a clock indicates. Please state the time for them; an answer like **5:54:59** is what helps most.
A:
**5:52:21**
